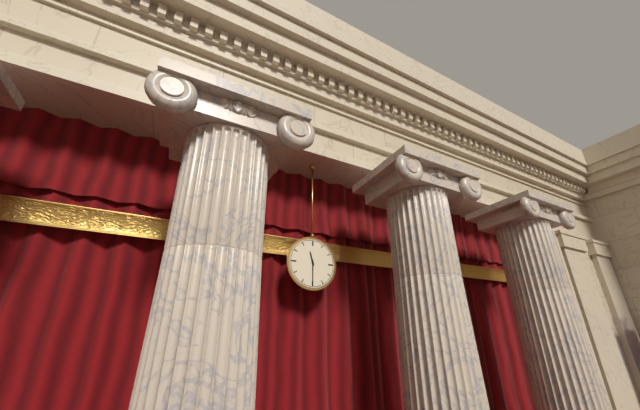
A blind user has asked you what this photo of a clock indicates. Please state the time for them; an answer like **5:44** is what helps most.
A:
**11:30**
